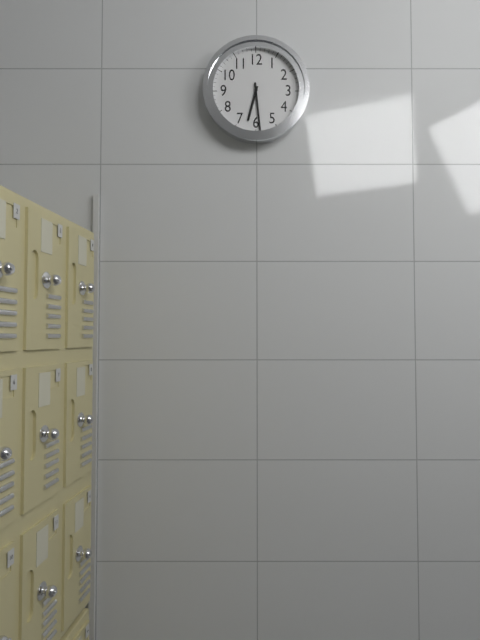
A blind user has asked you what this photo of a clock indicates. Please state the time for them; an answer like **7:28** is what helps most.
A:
**6:29**
